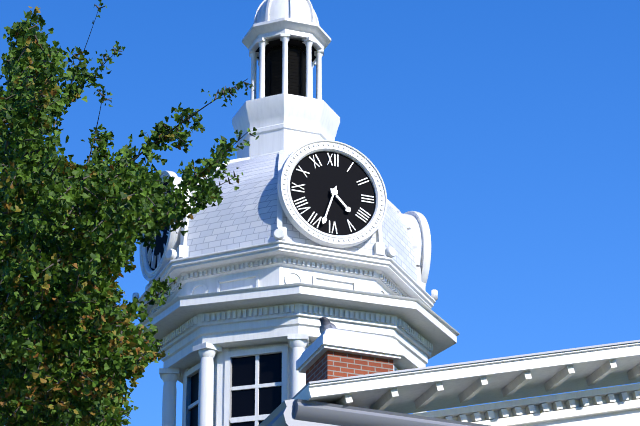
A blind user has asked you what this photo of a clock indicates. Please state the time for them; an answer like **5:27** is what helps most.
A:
**4:33**
